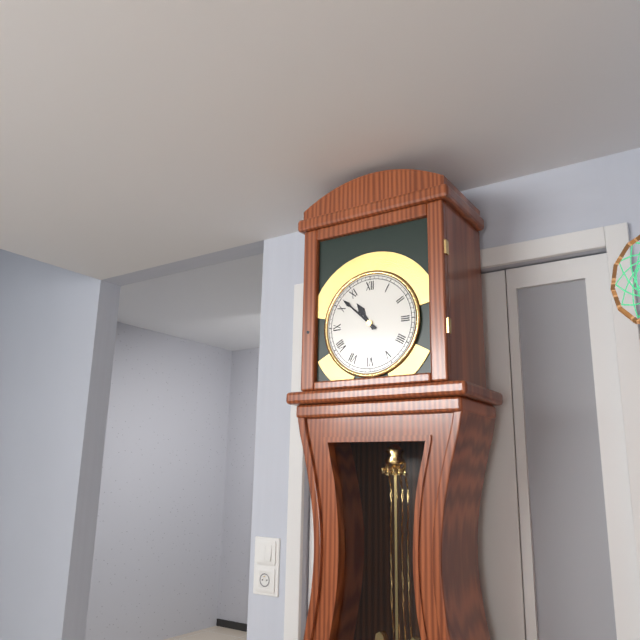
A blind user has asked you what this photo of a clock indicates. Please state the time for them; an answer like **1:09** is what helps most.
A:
**10:52**
